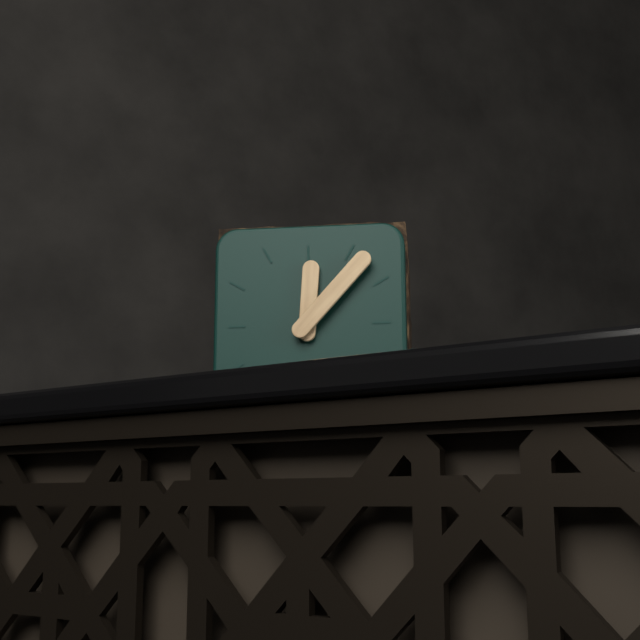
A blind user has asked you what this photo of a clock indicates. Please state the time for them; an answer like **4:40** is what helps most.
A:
**12:07**
